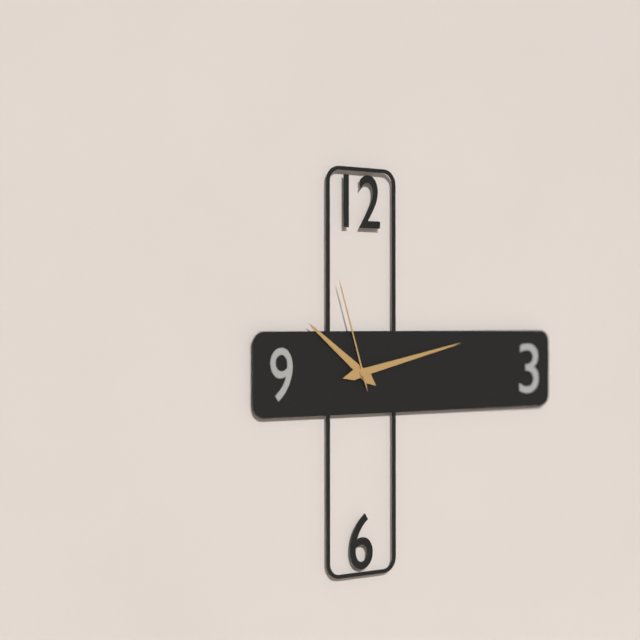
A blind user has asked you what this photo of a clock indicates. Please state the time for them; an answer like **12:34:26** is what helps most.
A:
**10:13:57**
